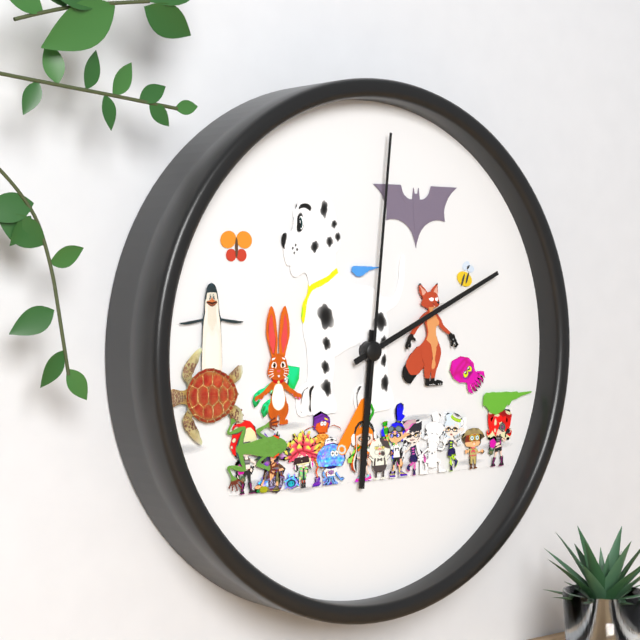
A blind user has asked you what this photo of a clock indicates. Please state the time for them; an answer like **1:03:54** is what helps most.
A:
**6:11:01**
